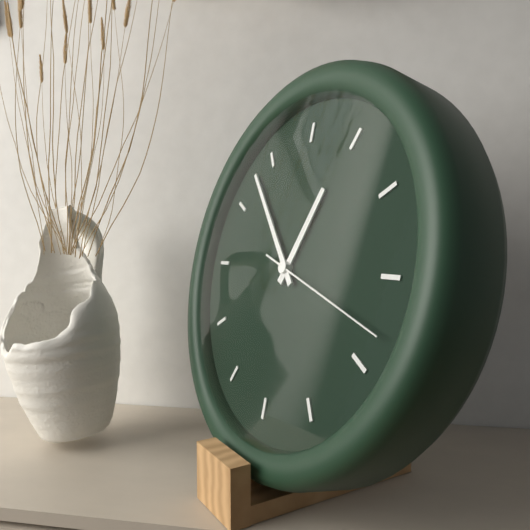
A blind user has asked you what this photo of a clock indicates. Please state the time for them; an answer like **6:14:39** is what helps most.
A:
**12:53:18**
